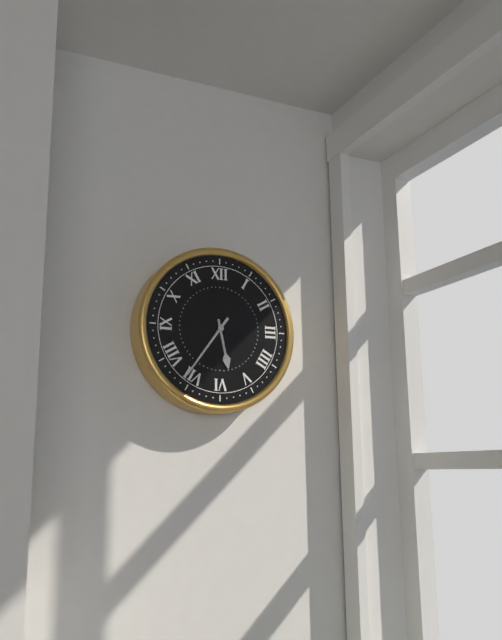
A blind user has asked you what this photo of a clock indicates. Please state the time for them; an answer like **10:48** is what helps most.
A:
**5:36**
